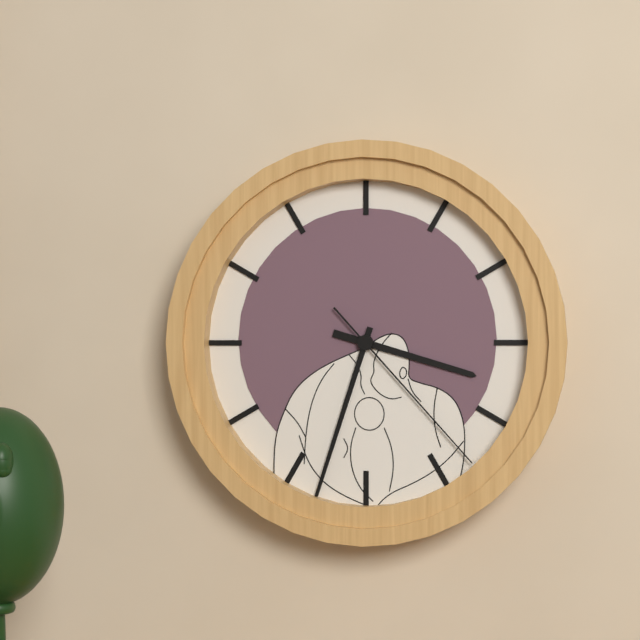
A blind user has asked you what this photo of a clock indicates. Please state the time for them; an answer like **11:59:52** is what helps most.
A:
**3:33:23**
